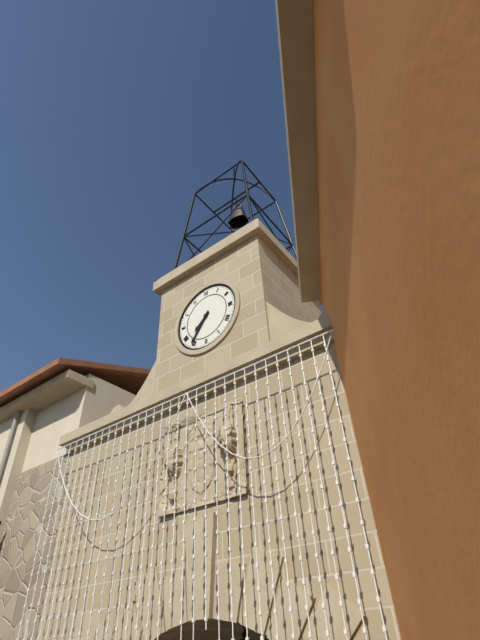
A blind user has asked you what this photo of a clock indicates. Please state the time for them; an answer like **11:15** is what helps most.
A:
**7:36**
